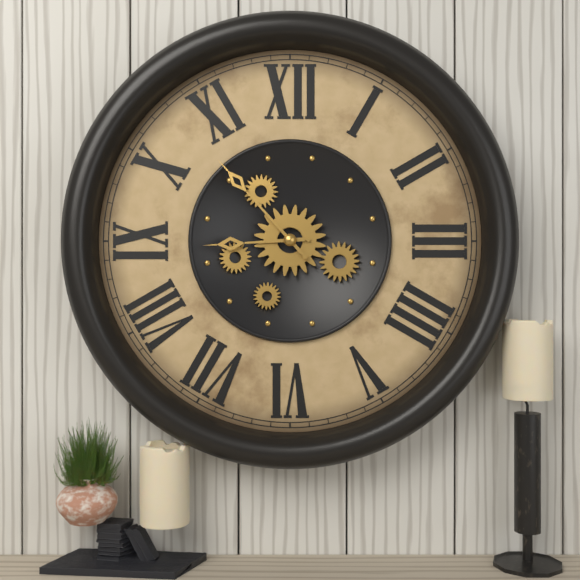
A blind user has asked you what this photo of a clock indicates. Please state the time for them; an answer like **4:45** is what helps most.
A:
**8:53**
